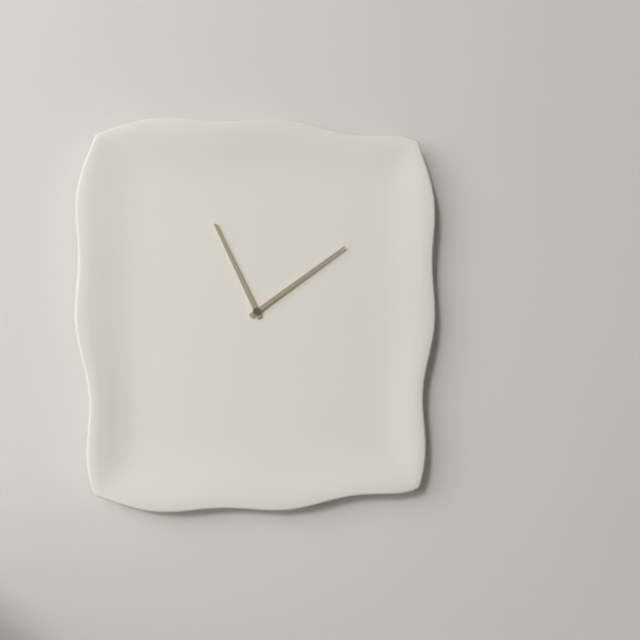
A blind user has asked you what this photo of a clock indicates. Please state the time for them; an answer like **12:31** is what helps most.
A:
**11:09**
